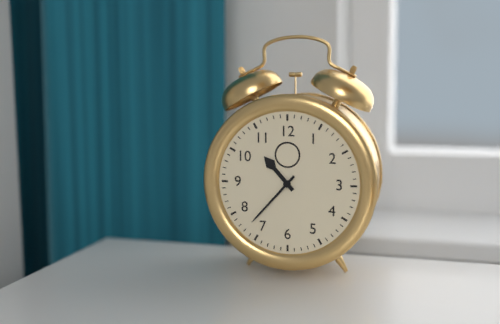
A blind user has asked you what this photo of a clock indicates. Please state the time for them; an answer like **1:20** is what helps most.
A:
**10:37**
